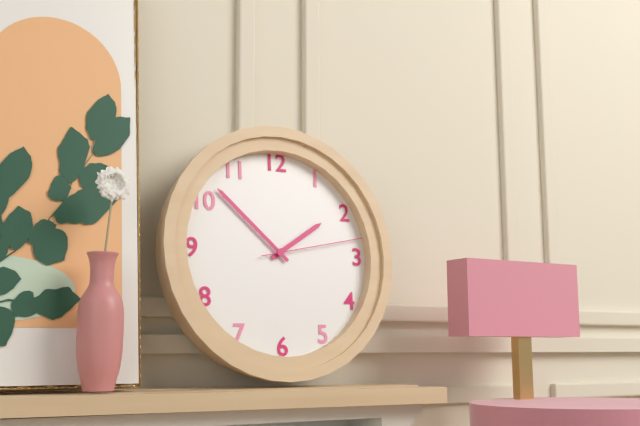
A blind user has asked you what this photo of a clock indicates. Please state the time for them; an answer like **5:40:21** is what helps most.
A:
**1:52:13**
